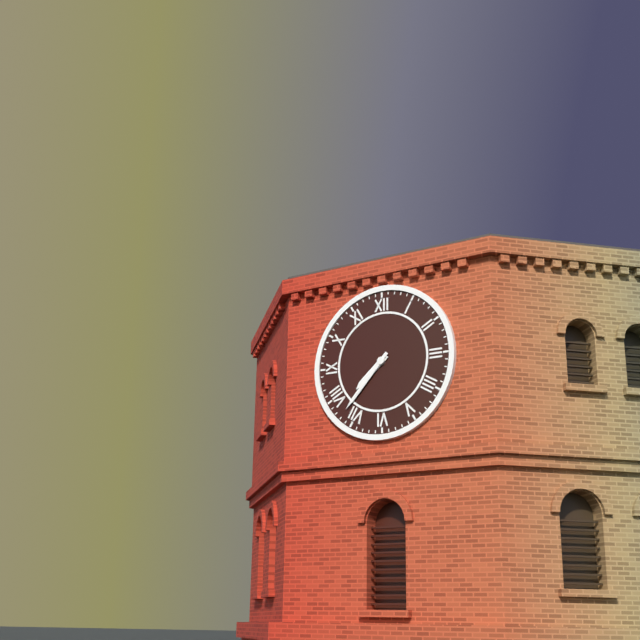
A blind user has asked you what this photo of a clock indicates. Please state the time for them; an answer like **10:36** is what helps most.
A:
**7:37**
